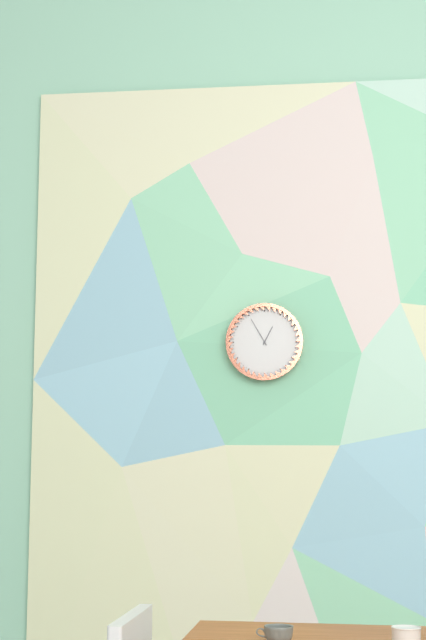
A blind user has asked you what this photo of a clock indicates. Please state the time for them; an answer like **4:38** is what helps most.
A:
**12:55**
